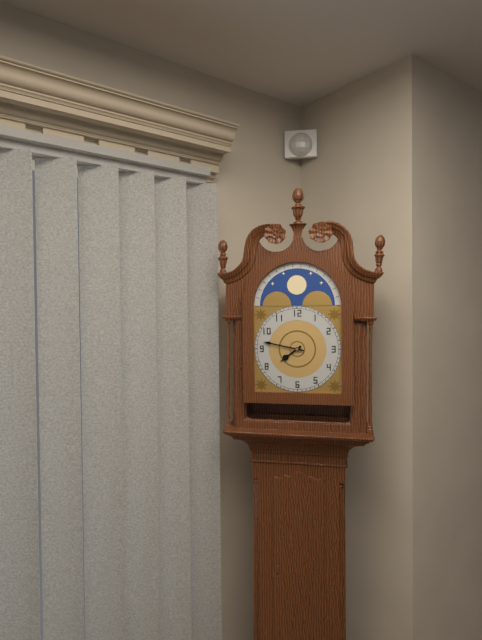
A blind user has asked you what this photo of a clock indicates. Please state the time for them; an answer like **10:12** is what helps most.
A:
**7:47**
